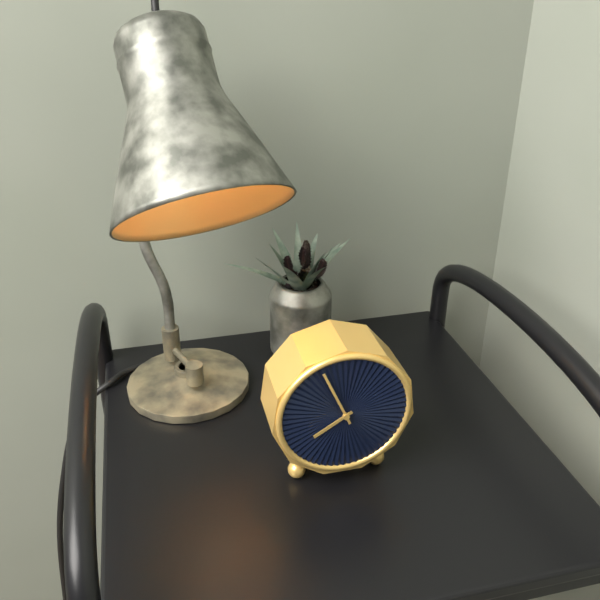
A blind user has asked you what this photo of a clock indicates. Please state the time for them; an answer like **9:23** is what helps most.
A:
**7:56**
